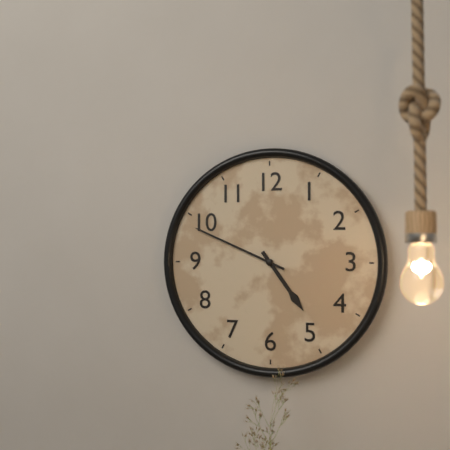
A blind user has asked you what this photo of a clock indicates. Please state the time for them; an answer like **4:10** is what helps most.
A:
**4:49**
